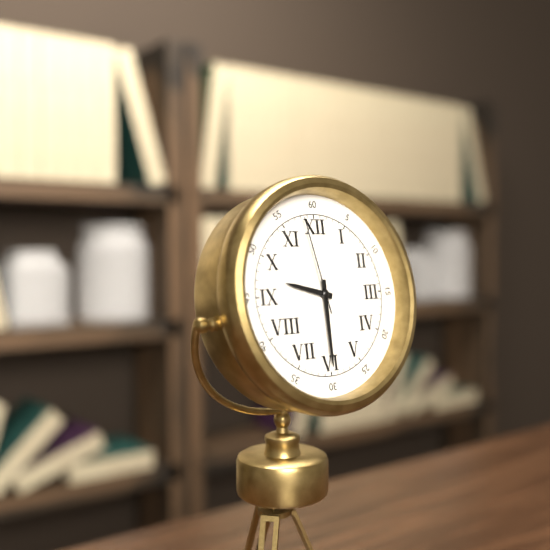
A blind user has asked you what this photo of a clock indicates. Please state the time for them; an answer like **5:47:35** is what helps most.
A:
**9:30:58**
